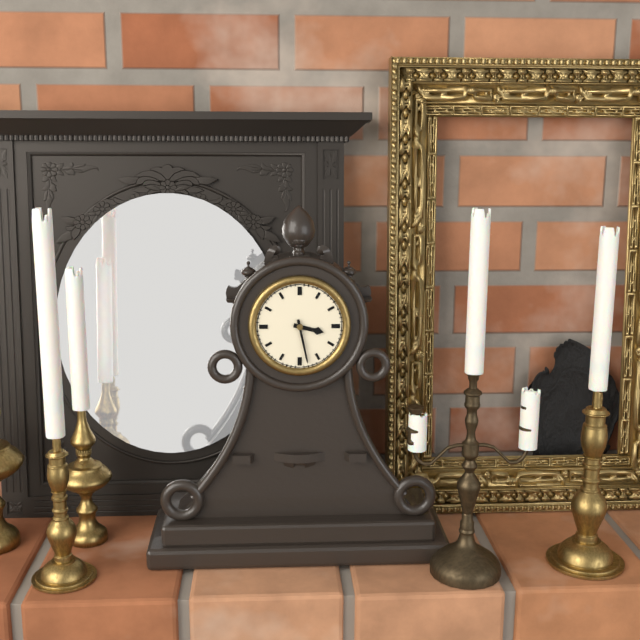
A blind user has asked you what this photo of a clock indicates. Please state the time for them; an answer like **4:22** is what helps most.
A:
**3:28**
